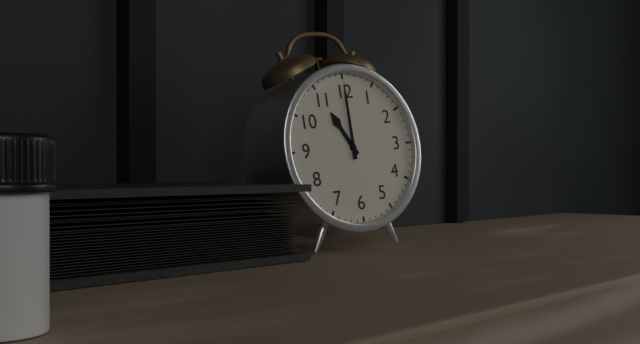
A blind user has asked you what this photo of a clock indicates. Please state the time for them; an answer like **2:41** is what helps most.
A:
**11:00**
